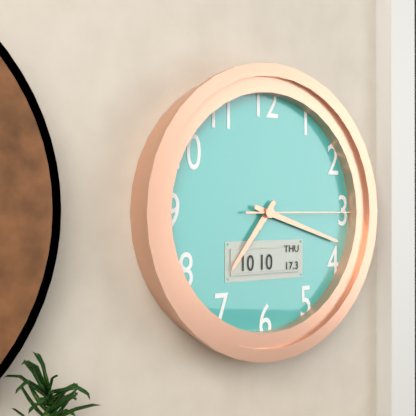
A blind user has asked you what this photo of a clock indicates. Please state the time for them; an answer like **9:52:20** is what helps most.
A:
**7:18:15**
